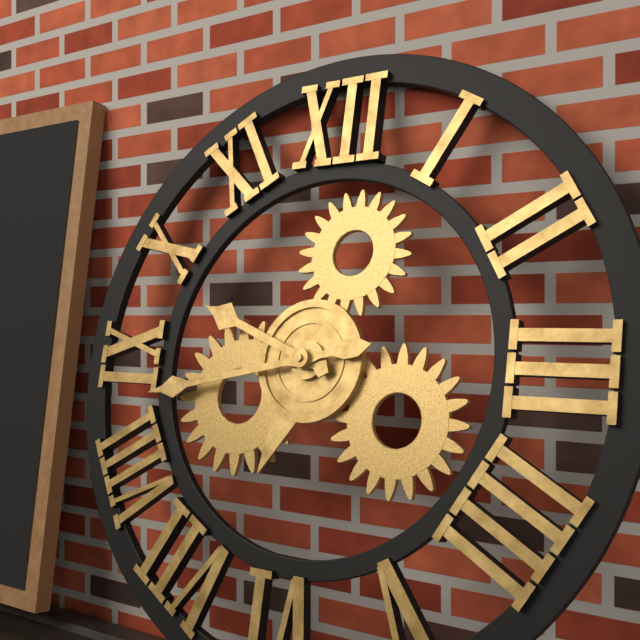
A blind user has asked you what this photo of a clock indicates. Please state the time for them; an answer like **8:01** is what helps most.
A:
**9:43**
